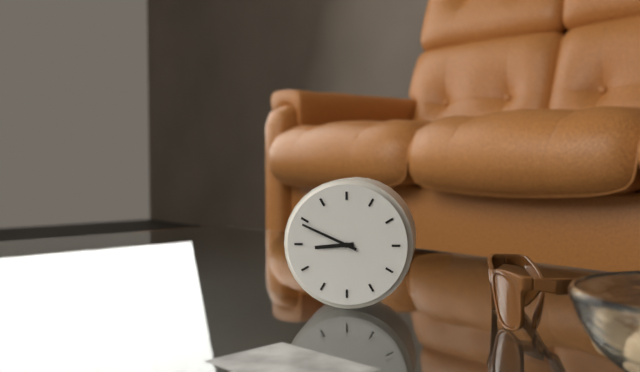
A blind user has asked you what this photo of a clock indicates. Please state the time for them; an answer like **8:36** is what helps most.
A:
**8:49**
